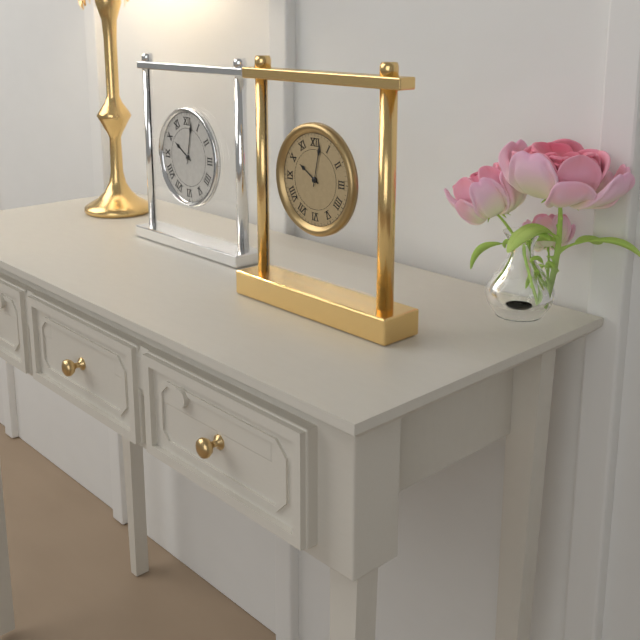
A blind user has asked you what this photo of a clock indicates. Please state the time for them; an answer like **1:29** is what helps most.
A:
**10:02**
